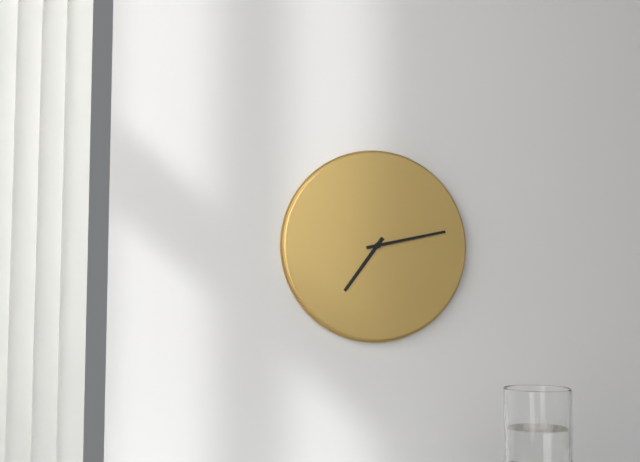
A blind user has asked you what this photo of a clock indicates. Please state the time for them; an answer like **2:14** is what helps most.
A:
**7:13**
